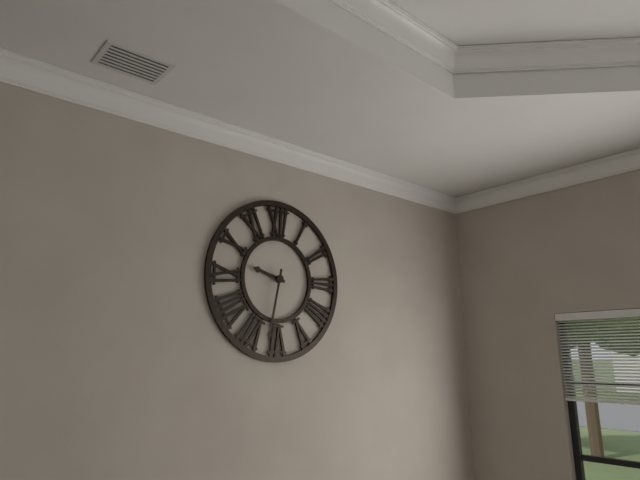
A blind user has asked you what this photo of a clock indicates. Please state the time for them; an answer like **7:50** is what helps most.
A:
**9:32**
